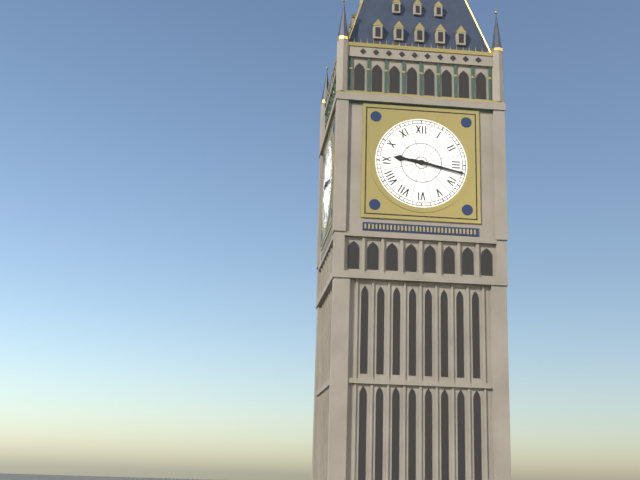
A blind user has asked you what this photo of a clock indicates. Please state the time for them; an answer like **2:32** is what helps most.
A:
**9:17**
